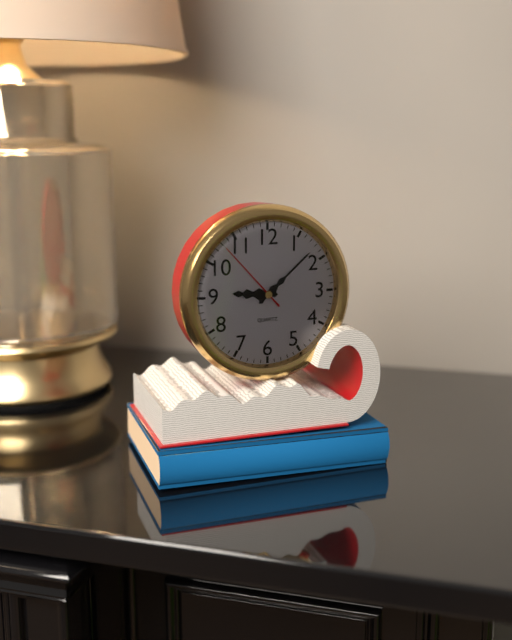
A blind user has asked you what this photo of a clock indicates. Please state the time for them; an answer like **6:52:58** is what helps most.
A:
**9:08:53**
